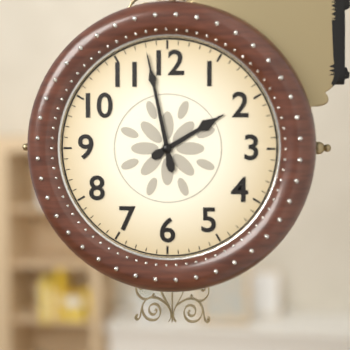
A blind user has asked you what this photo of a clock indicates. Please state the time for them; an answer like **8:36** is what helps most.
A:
**1:58**
